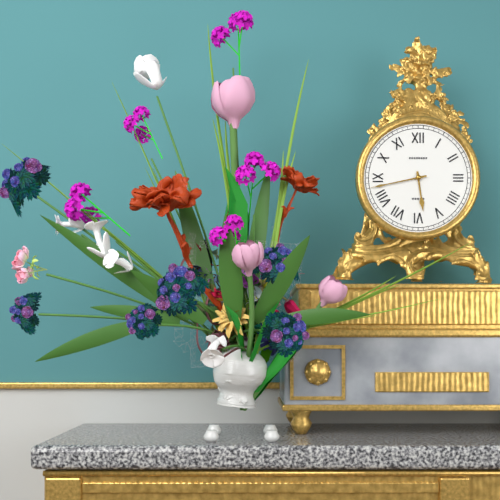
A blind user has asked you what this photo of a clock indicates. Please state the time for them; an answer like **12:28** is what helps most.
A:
**5:43**
